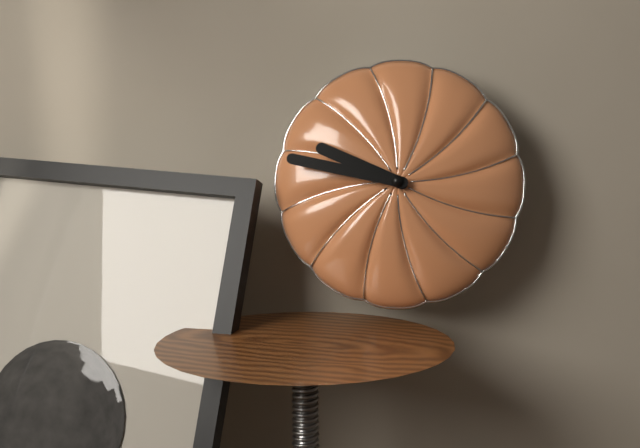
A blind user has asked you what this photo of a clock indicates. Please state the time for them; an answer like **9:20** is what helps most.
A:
**9:47**
